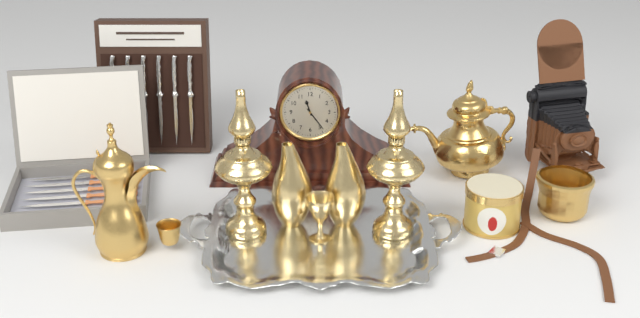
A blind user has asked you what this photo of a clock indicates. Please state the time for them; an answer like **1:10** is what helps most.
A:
**11:24**
